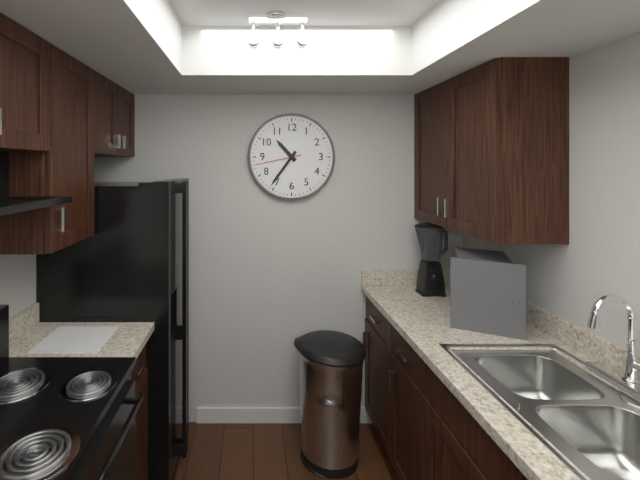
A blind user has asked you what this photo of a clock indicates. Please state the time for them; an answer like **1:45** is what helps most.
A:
**10:36**
